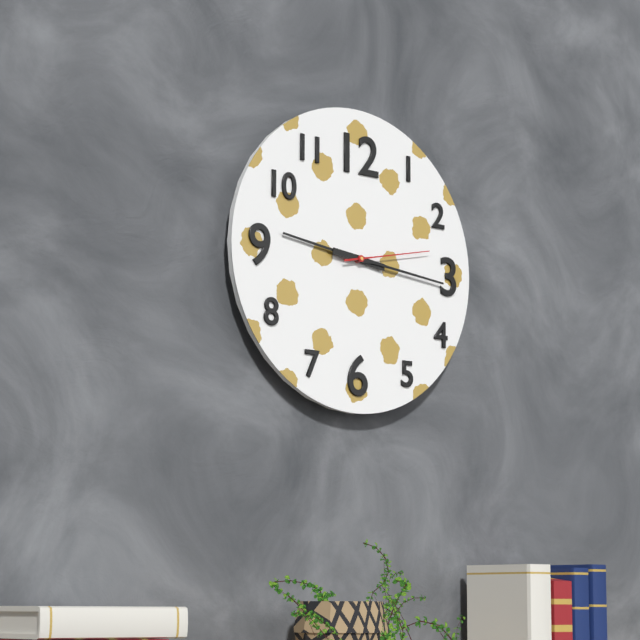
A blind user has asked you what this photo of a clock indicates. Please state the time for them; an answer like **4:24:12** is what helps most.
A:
**9:16:13**
